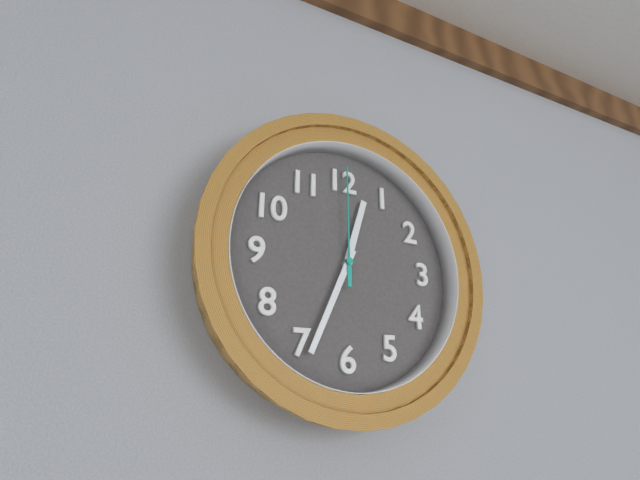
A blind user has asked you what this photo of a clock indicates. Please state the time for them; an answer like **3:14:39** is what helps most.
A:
**12:34:00**
